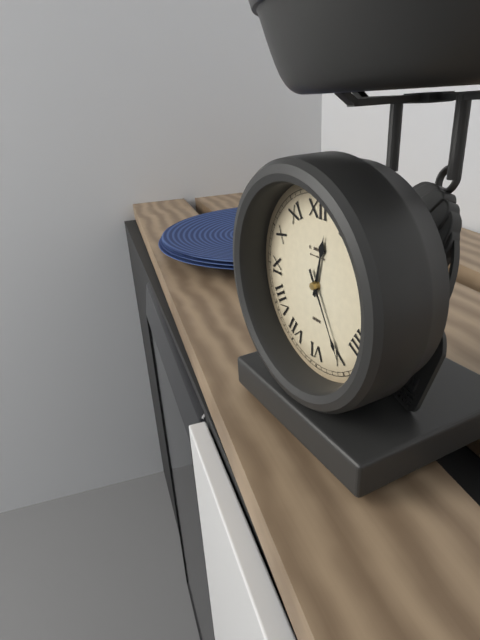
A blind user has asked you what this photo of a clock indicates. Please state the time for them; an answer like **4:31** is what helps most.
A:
**12:25**
